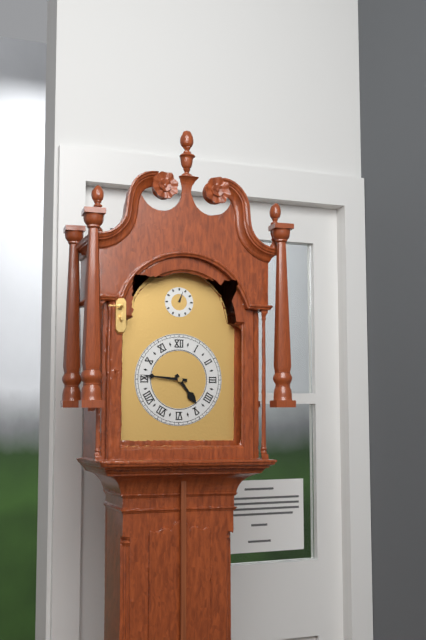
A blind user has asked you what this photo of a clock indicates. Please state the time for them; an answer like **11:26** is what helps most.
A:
**4:46**
